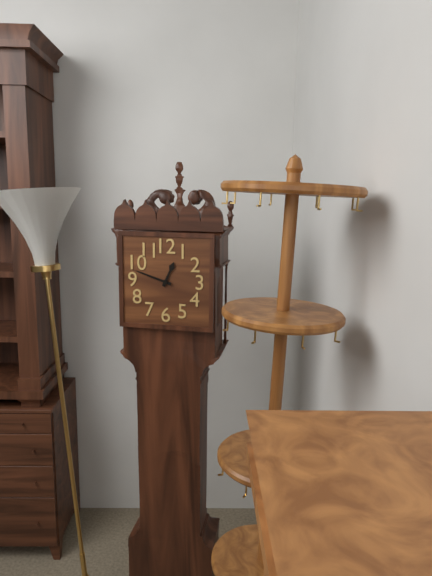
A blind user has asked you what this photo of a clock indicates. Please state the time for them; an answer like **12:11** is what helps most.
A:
**12:48**
